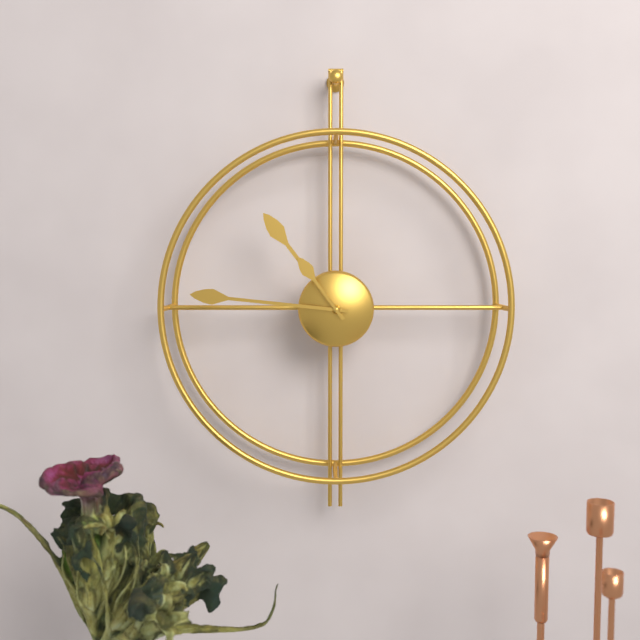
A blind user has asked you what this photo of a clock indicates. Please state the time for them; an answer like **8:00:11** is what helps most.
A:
**10:46:54**
